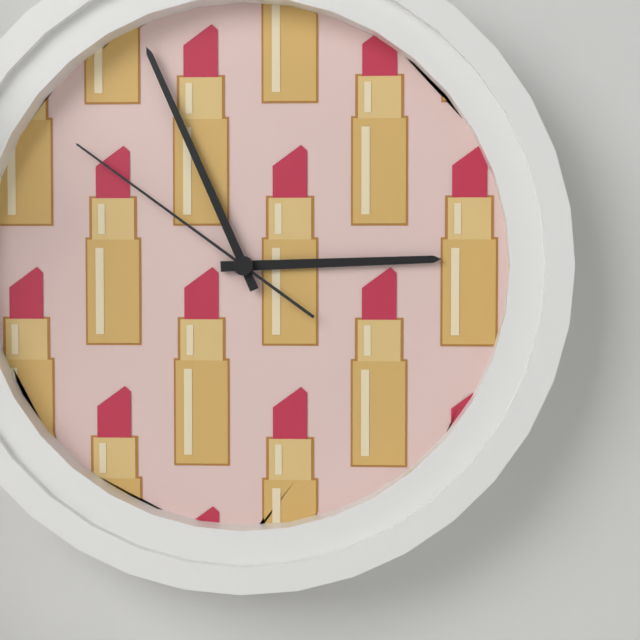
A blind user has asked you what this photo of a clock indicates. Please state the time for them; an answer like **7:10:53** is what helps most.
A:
**2:56:51**
